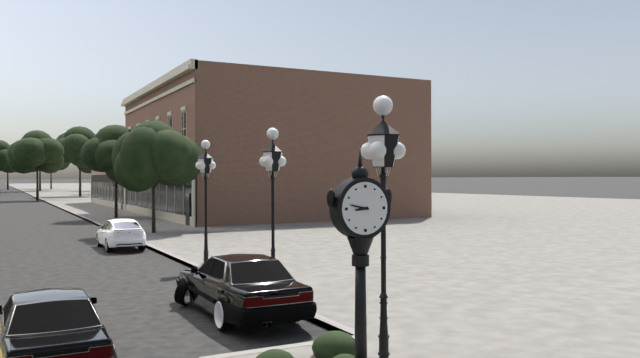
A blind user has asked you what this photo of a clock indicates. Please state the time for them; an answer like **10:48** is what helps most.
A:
**8:47**
